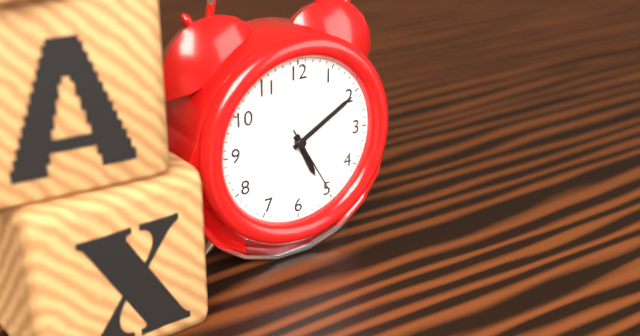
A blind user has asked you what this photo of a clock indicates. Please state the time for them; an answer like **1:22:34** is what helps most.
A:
**5:10:25**
